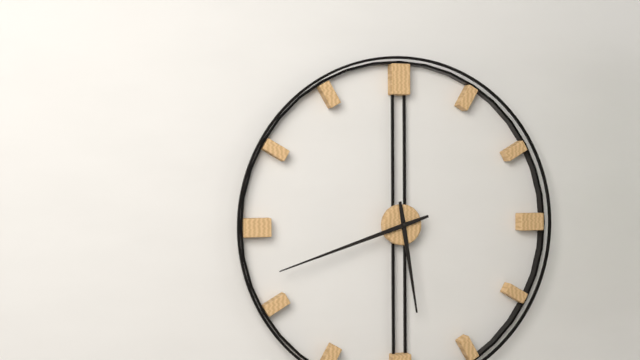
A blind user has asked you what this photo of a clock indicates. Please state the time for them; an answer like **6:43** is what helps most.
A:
**5:42**
